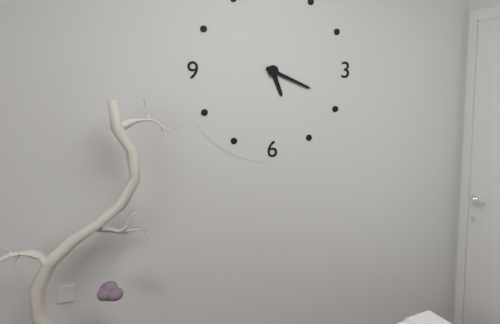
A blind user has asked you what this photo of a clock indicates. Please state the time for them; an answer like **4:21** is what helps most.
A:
**5:19**
